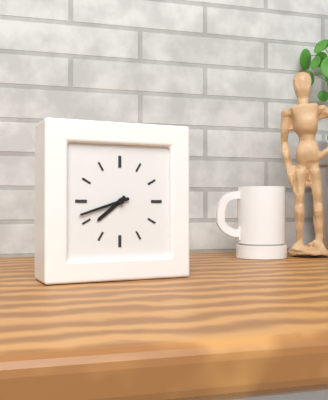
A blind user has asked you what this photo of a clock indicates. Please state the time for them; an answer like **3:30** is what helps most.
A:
**7:42**
